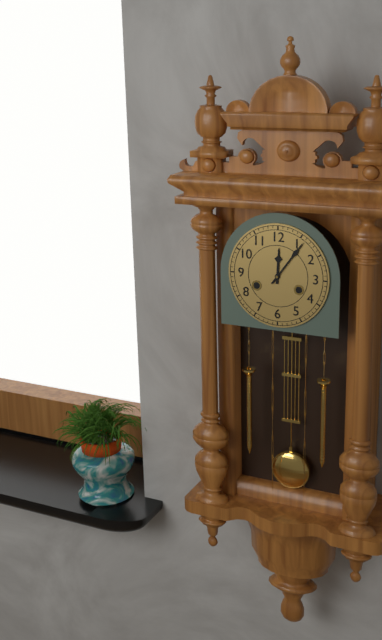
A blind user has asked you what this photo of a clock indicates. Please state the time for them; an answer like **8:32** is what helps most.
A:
**12:06**
